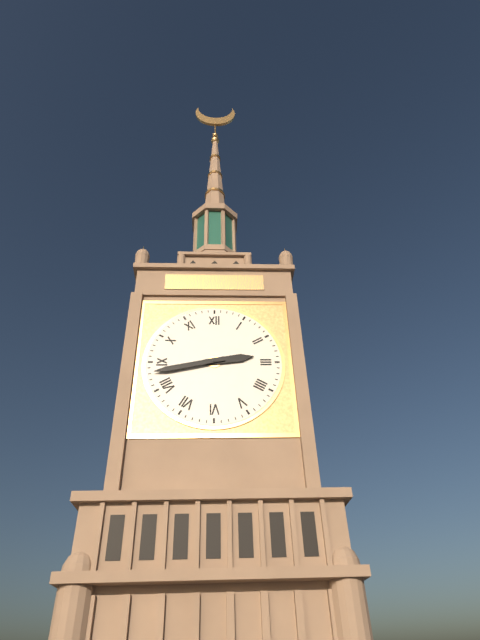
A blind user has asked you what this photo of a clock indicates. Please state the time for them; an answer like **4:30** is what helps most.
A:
**2:43**
